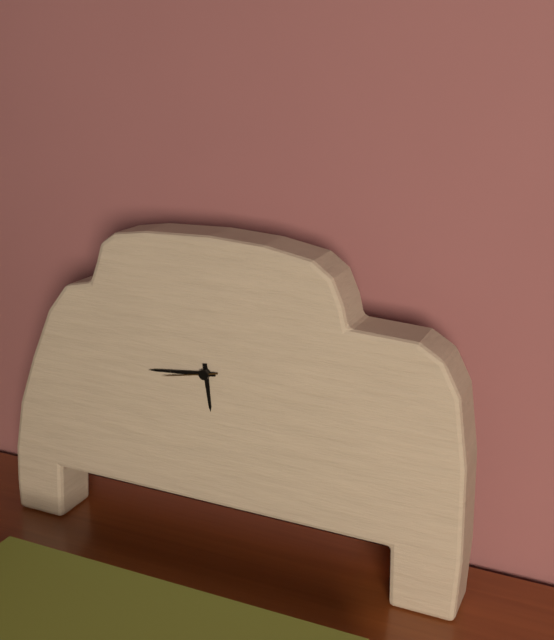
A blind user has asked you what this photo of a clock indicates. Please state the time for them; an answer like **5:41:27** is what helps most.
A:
**5:44:43**
